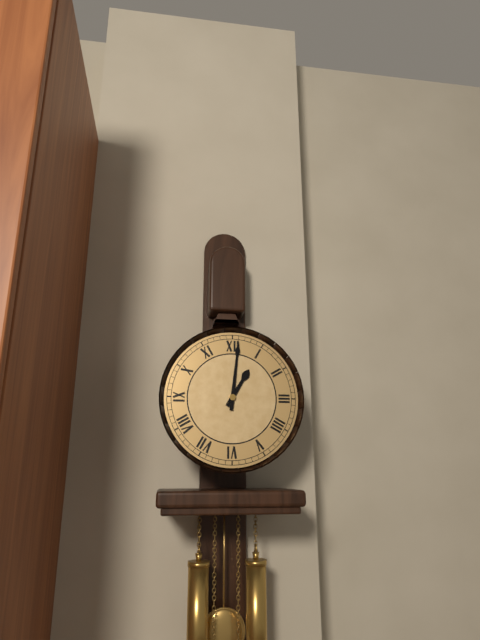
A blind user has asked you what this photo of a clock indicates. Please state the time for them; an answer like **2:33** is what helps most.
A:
**1:01**
